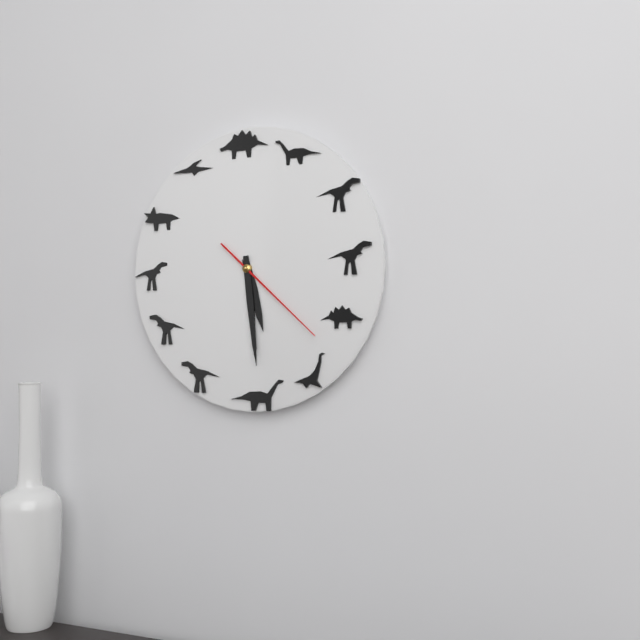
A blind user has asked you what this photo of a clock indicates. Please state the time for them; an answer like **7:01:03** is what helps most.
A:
**5:29:22**
